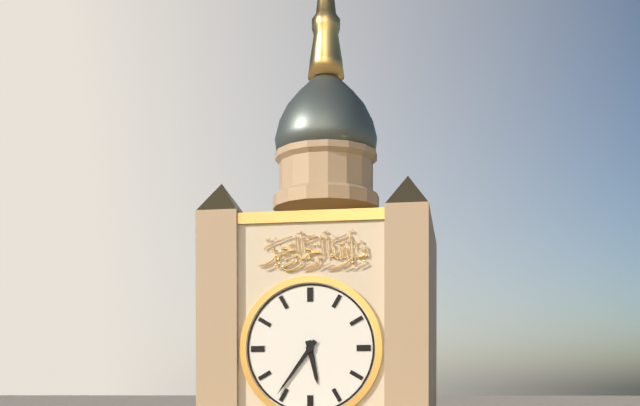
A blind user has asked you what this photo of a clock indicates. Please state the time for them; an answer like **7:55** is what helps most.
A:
**5:36**
